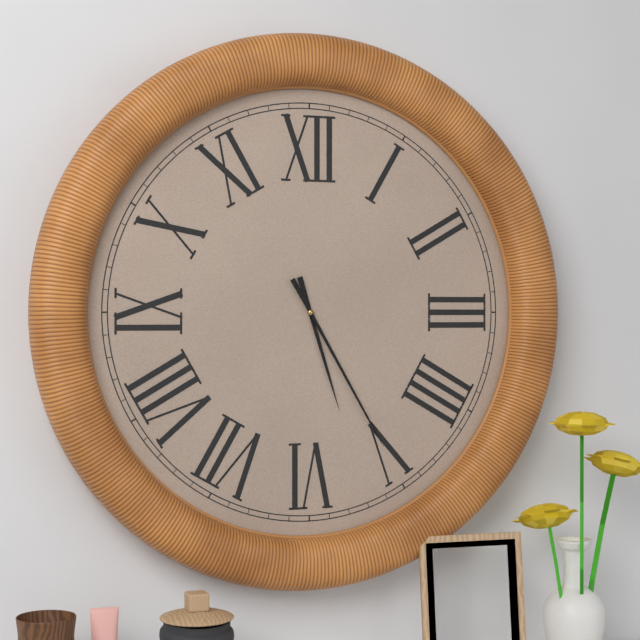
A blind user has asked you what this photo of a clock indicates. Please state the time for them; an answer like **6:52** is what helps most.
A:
**5:25**
